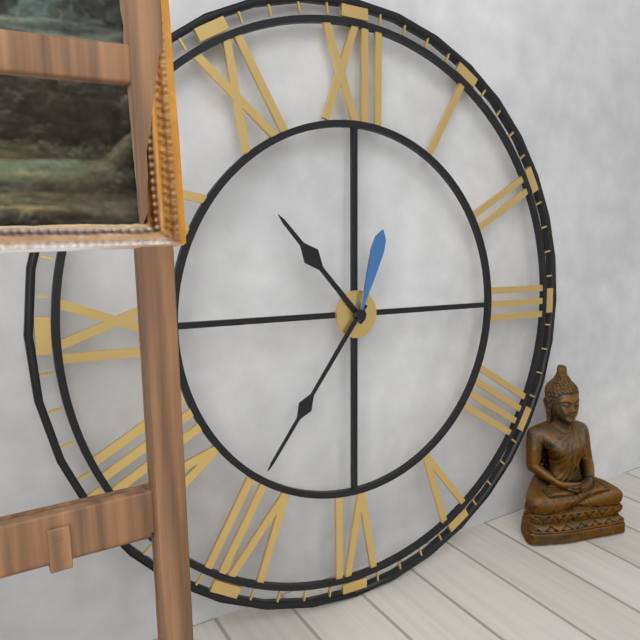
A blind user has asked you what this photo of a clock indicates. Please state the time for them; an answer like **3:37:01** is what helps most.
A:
**10:36:03**
